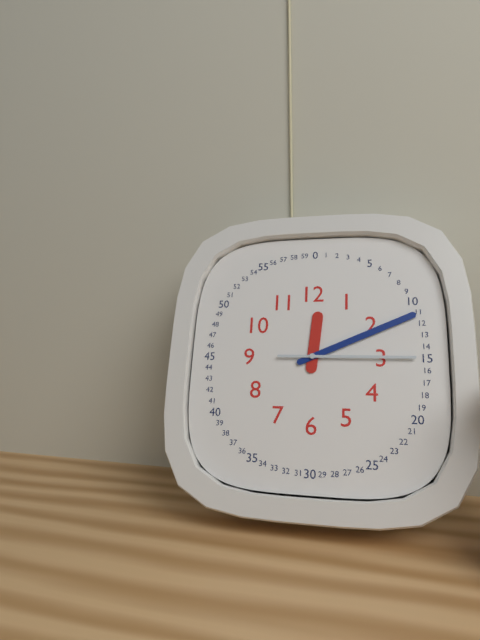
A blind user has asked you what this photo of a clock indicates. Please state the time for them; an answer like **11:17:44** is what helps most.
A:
**12:11:15**
